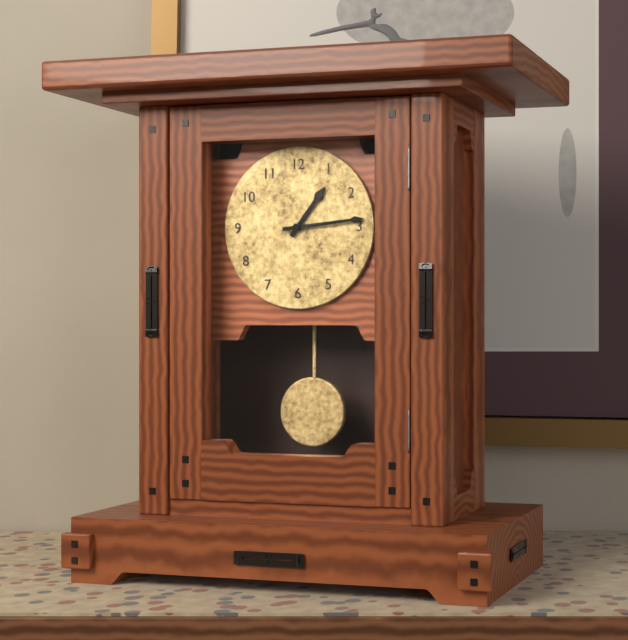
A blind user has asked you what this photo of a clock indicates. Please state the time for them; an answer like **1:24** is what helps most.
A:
**1:14**
